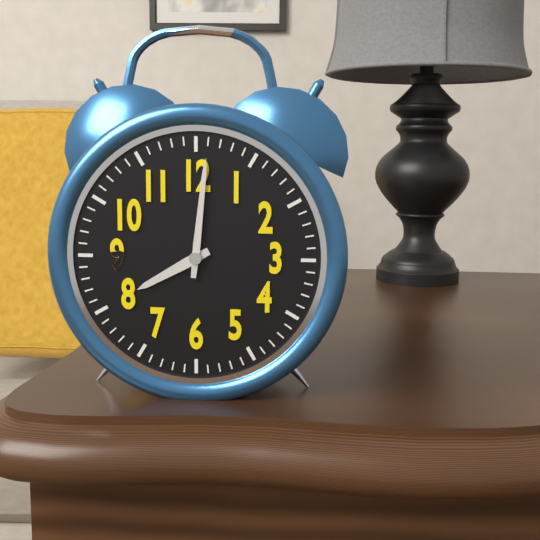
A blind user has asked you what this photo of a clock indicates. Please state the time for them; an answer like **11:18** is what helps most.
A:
**8:01**
